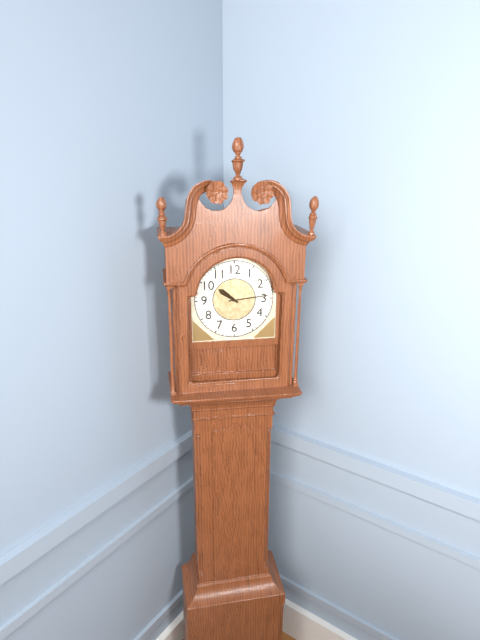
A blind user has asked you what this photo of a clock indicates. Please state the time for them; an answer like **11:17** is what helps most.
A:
**10:14**
